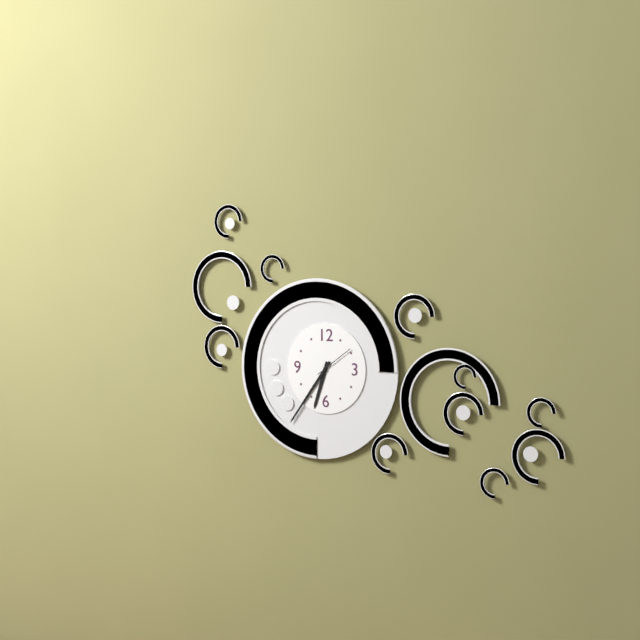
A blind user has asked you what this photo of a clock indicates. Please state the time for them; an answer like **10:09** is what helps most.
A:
**6:36**
